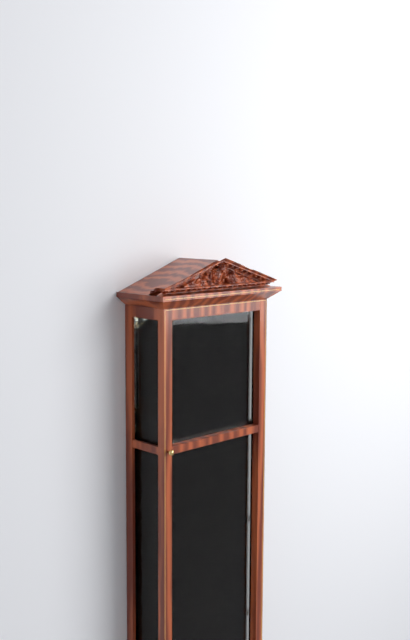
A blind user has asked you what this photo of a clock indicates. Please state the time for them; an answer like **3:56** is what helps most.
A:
**7:27**
